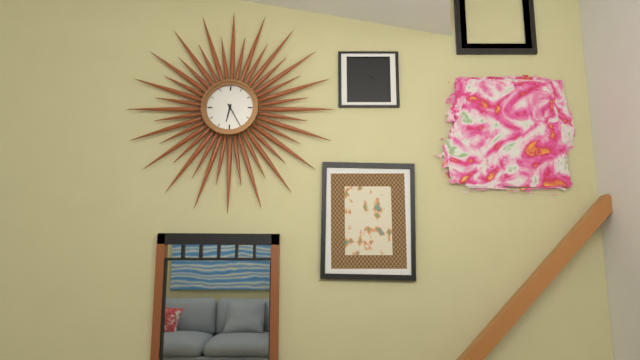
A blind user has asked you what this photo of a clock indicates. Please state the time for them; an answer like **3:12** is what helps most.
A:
**6:25**
